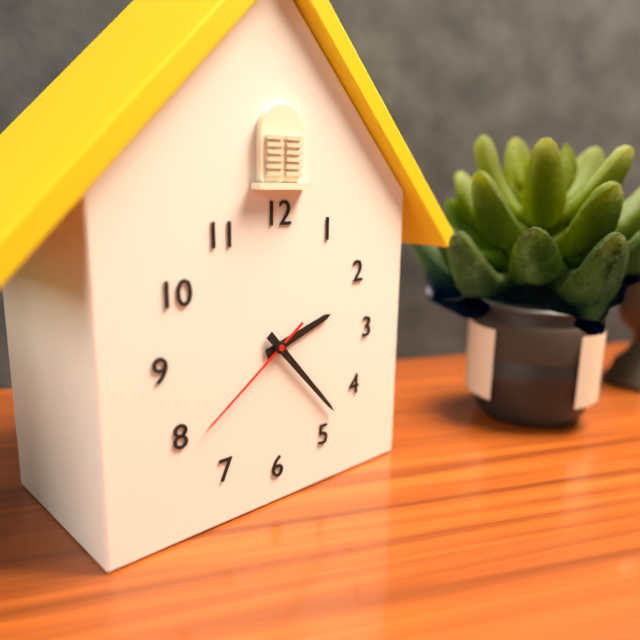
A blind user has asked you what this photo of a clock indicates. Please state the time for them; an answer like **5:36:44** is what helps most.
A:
**2:23:39**
